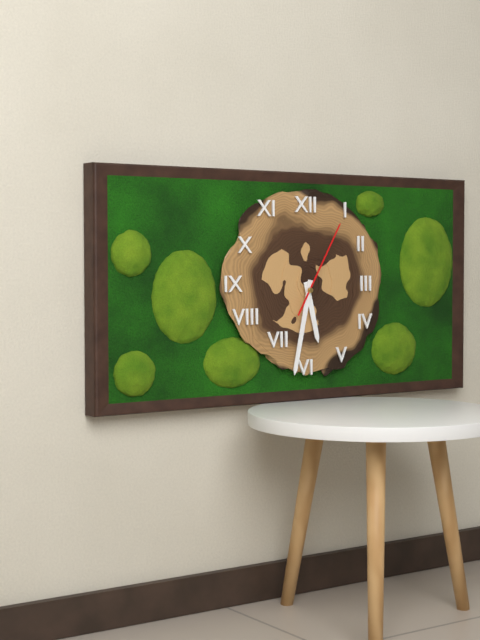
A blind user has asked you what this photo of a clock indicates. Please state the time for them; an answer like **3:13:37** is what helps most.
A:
**5:32:05**
